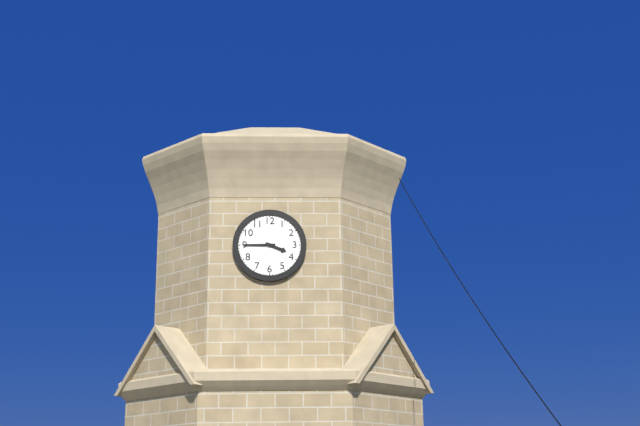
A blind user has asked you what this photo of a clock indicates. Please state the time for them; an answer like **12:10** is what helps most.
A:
**3:45**
